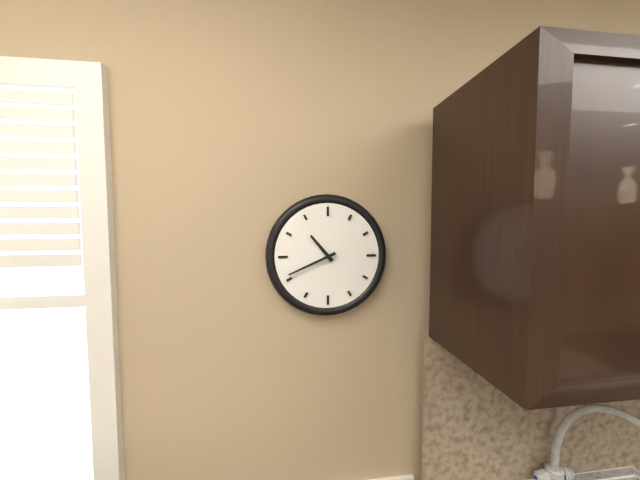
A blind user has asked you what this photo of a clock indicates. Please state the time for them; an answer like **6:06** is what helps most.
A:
**10:41**
